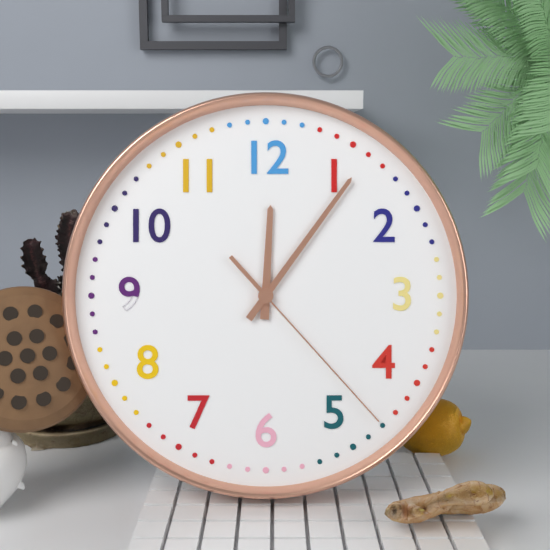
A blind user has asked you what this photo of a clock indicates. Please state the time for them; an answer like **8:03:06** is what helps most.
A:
**12:06:23**
